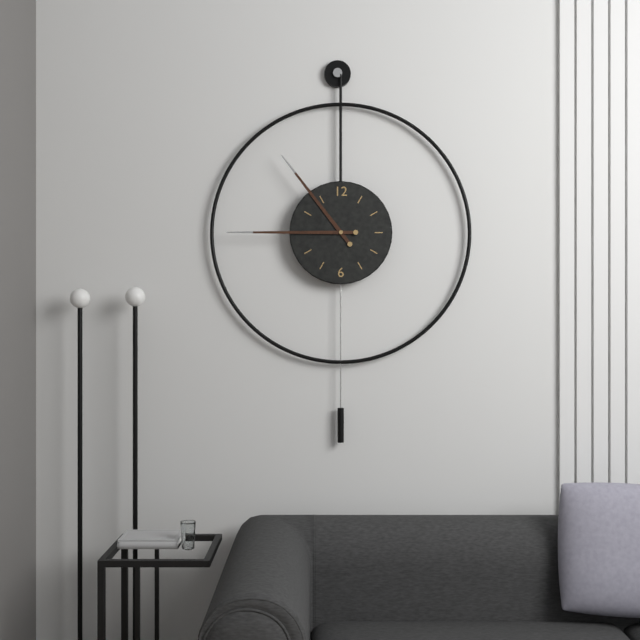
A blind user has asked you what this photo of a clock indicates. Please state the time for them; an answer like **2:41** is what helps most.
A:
**10:45**
